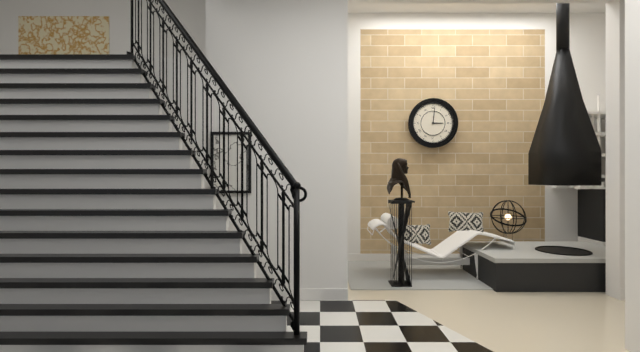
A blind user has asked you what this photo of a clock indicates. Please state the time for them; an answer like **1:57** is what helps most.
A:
**3:01**
